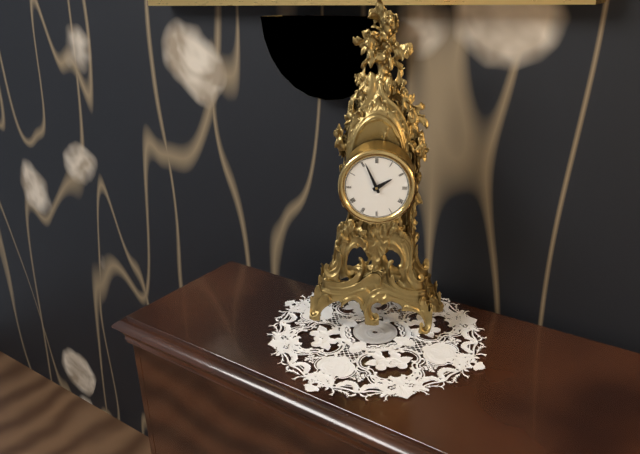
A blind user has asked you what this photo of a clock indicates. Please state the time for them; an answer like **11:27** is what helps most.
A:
**1:56**
